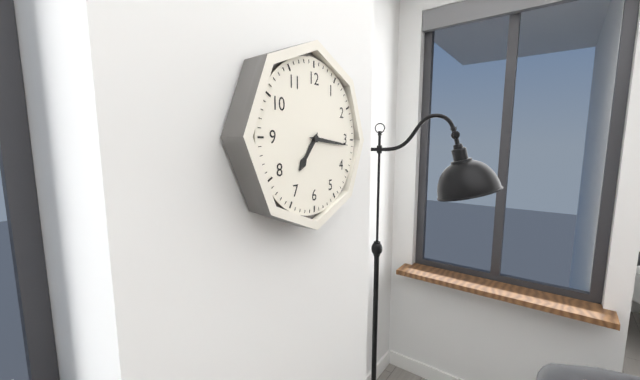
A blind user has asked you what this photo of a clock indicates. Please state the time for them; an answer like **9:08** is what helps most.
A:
**7:16**
